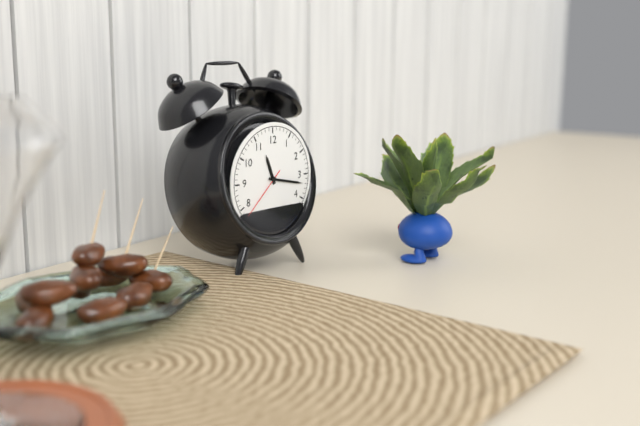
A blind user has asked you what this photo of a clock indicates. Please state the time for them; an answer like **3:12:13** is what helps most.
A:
**11:17:38**
